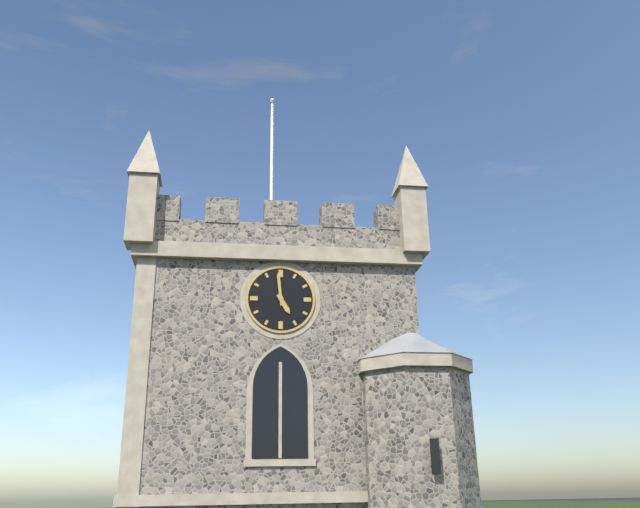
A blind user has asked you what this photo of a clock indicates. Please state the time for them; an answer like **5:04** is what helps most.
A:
**4:59**
